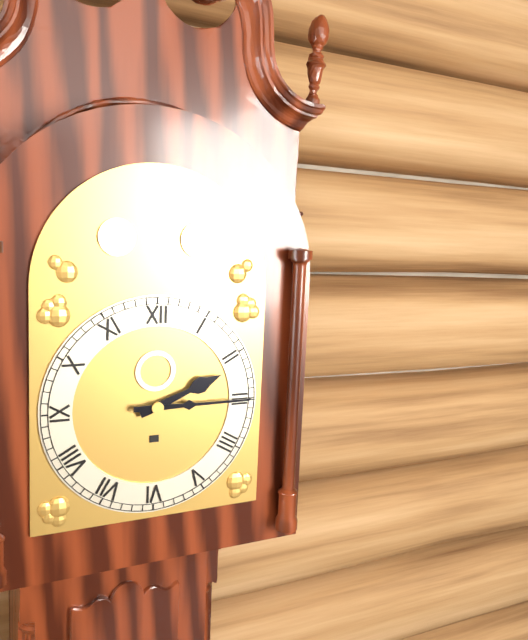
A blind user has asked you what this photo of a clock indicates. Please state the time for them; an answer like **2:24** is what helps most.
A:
**2:15**
